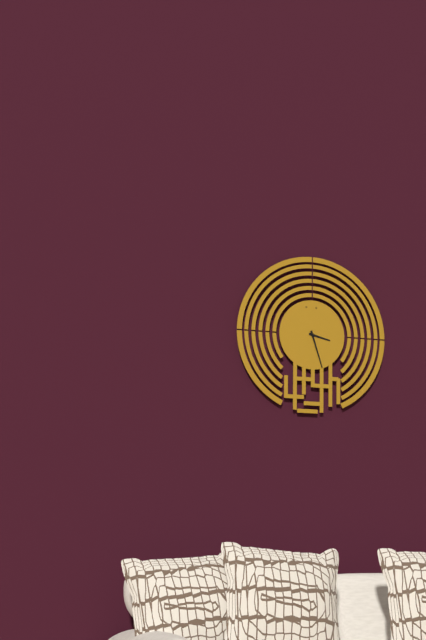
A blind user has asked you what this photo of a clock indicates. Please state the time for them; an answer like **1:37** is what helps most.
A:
**3:27**
